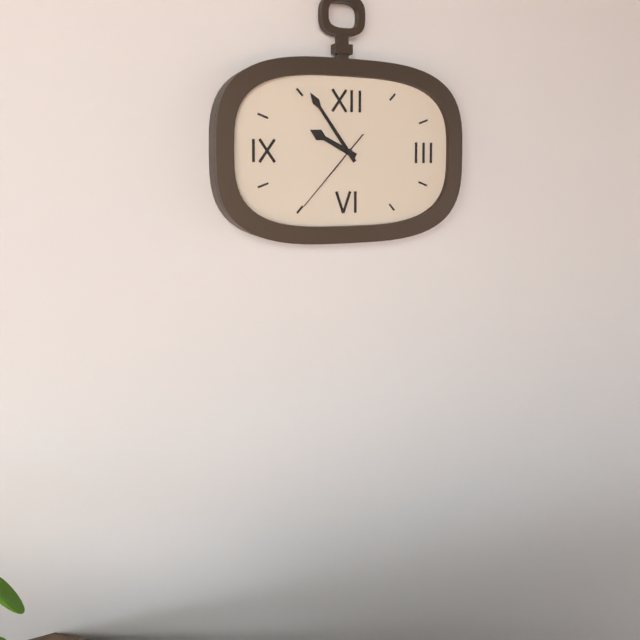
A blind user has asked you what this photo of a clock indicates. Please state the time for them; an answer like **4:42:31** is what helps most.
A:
**9:54:37**
